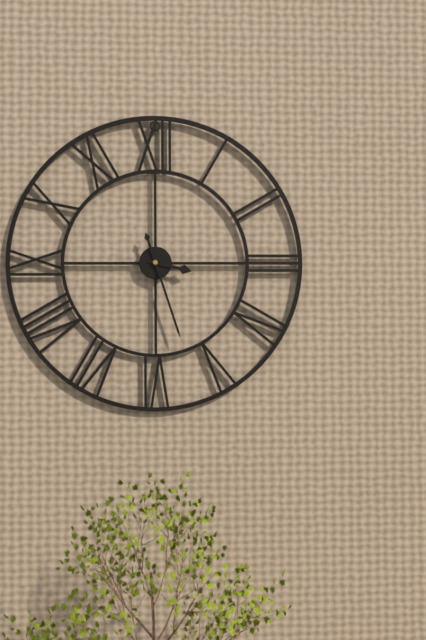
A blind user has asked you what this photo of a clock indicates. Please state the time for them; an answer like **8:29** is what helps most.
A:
**3:27**
